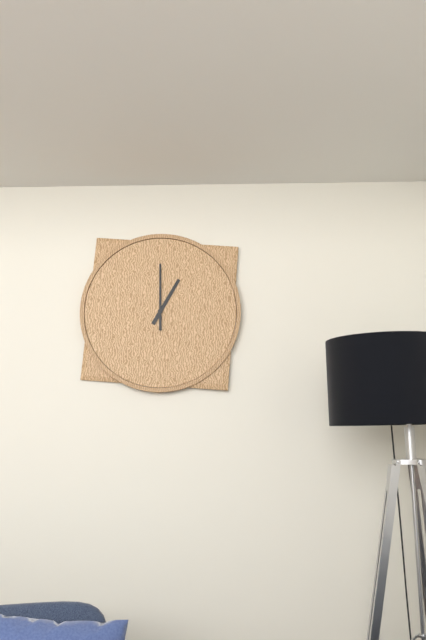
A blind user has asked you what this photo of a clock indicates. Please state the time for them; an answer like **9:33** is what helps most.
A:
**1:00**
